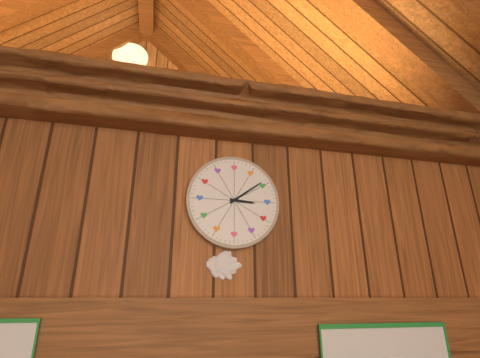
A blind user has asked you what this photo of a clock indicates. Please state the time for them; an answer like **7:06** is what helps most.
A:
**3:09**
